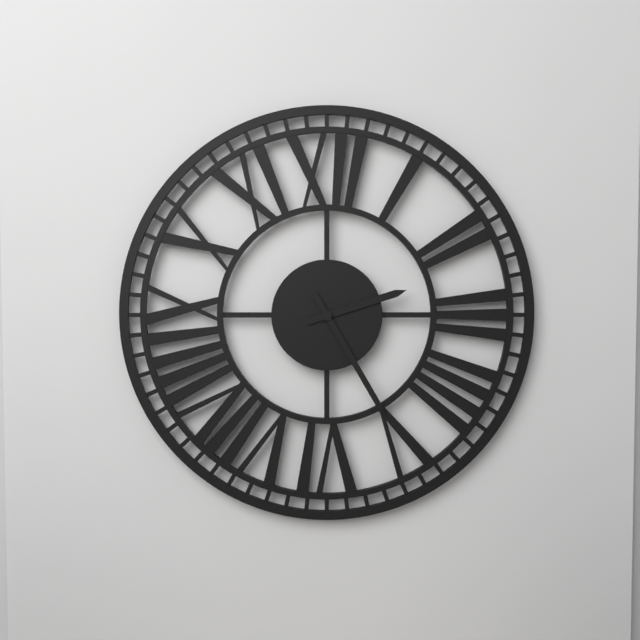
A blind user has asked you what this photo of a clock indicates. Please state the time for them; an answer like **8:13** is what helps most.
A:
**2:25**
